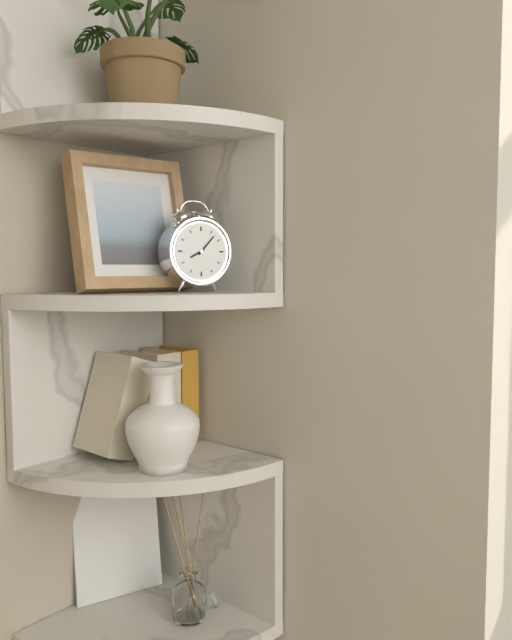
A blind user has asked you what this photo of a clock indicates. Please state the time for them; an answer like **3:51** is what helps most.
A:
**8:07**
